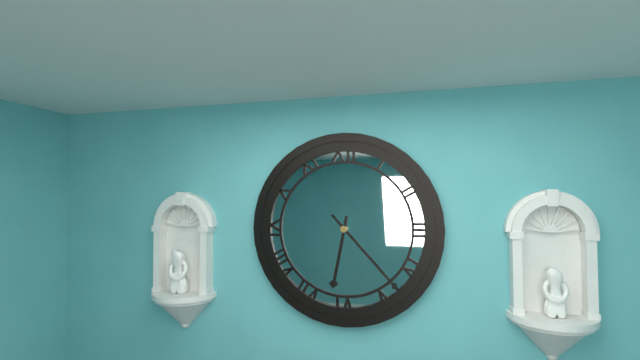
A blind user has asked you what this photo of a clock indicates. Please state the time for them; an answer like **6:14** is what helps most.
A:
**6:23**
